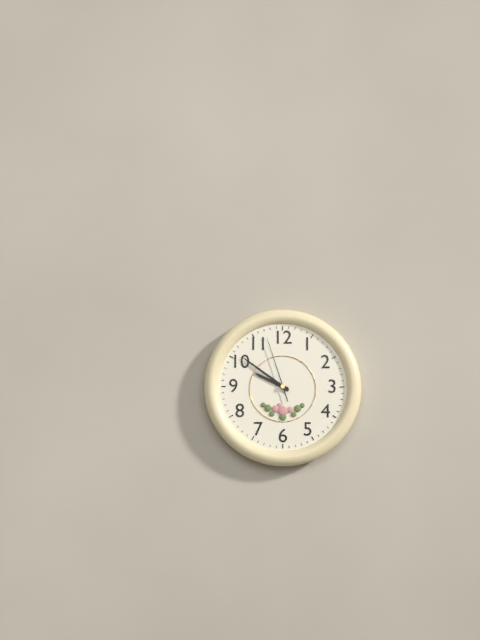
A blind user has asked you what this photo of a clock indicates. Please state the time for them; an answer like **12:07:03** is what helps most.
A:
**9:51:57**
